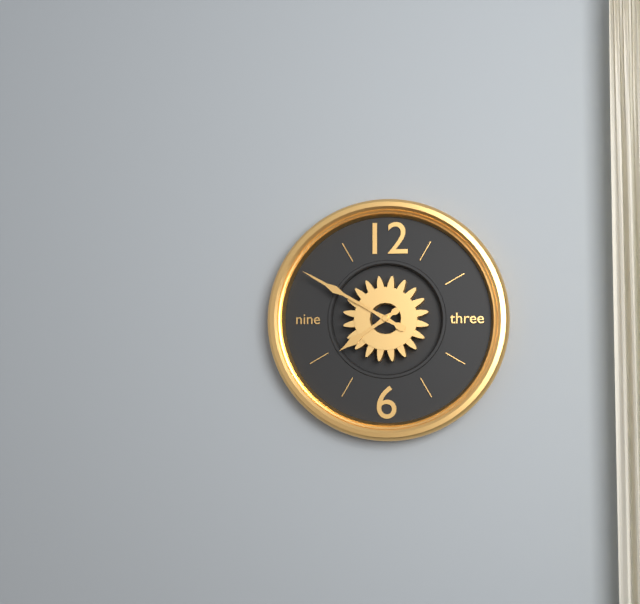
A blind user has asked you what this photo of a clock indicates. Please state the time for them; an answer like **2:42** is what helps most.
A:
**7:50**
